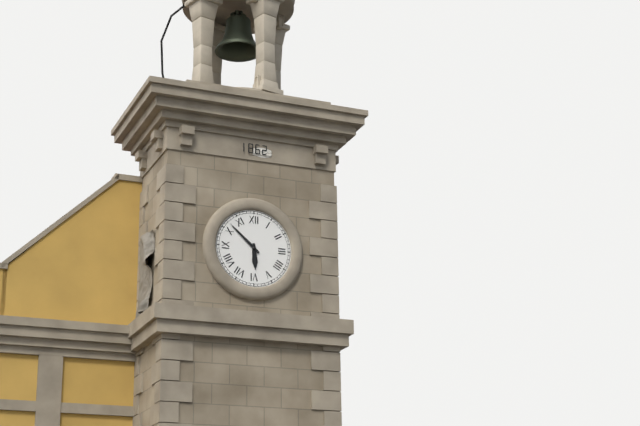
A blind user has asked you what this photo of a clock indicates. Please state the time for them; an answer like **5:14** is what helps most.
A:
**5:52**
